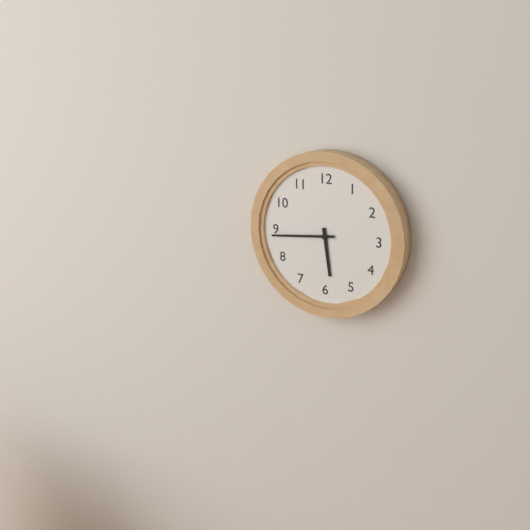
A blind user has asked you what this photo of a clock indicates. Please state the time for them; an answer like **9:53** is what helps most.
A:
**5:44**
